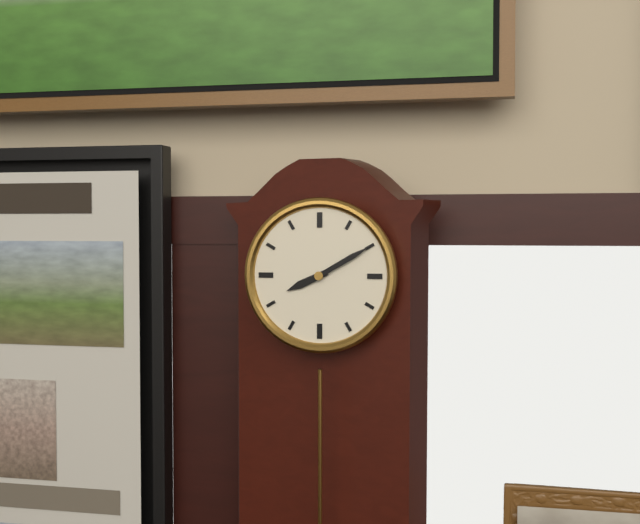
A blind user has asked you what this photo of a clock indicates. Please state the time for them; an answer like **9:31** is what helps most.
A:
**8:10**
